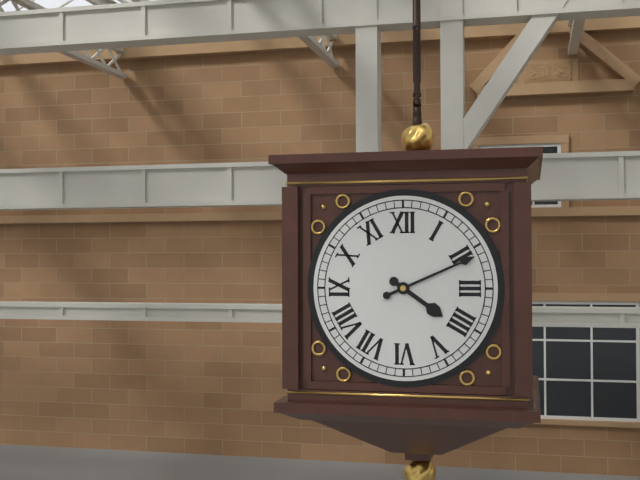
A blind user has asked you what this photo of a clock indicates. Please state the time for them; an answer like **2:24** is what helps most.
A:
**4:11**
